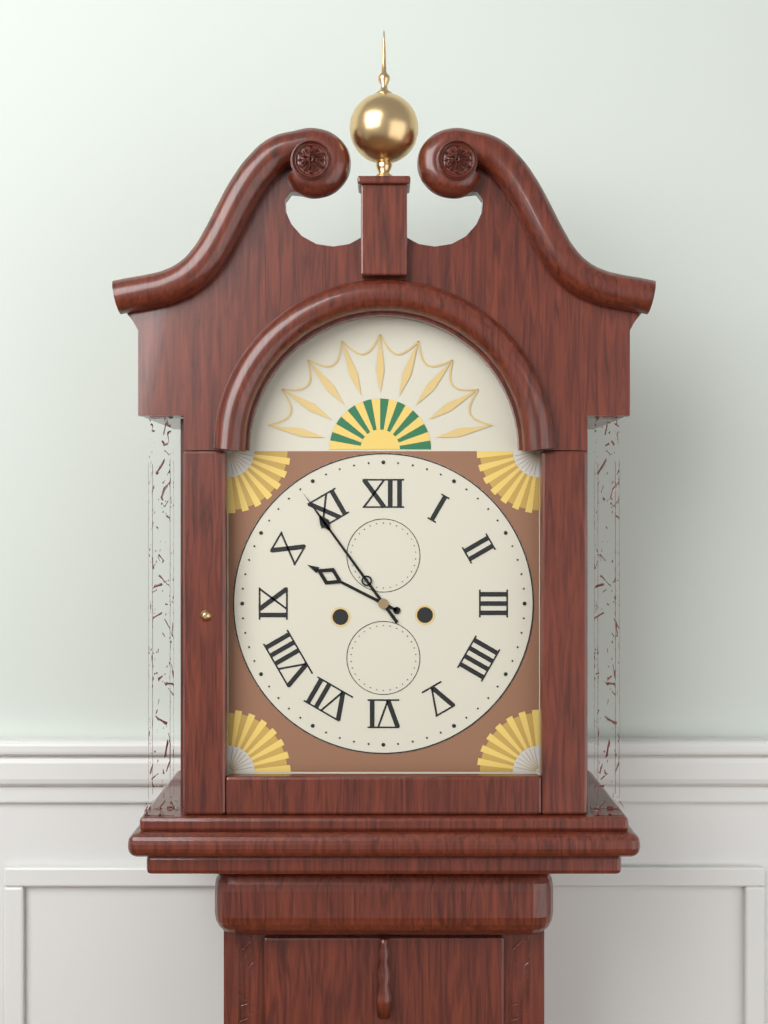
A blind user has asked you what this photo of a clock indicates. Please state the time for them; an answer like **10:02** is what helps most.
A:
**9:54**
